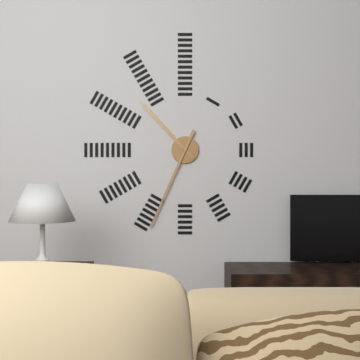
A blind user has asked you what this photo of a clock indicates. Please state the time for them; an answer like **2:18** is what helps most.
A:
**10:34**
